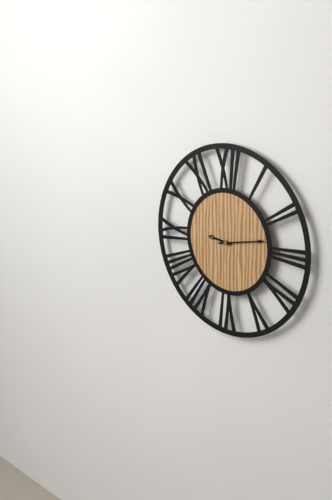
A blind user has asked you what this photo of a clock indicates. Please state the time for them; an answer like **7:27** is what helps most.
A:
**9:13**
